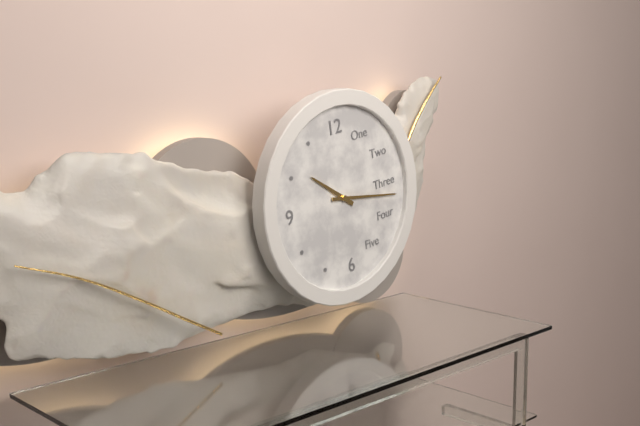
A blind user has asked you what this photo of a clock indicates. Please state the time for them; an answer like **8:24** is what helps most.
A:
**10:17**
